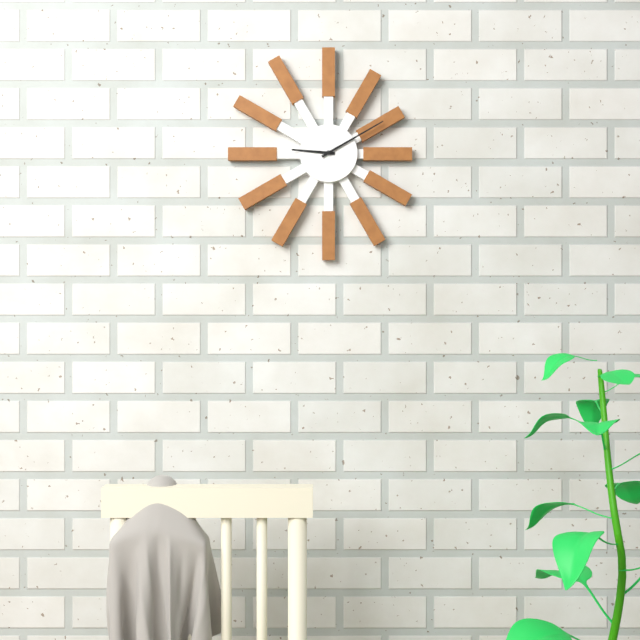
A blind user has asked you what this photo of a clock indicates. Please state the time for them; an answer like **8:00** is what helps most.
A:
**9:10**
